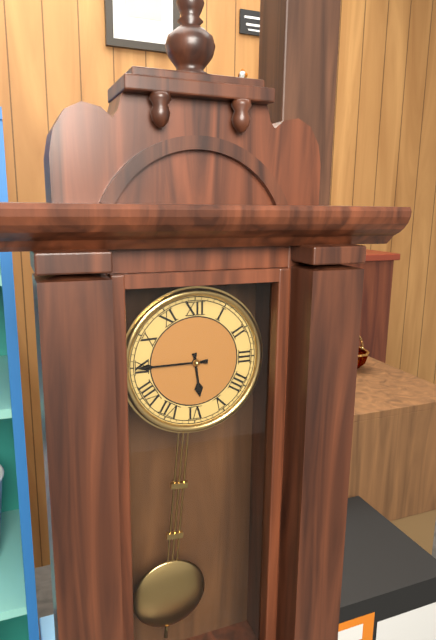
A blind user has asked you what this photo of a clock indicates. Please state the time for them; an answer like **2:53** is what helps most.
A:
**5:45**
